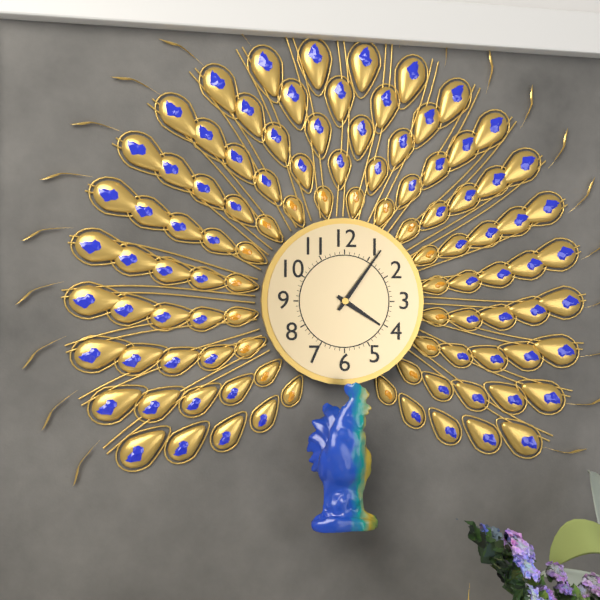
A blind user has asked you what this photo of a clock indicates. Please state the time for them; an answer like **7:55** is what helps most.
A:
**4:06**
